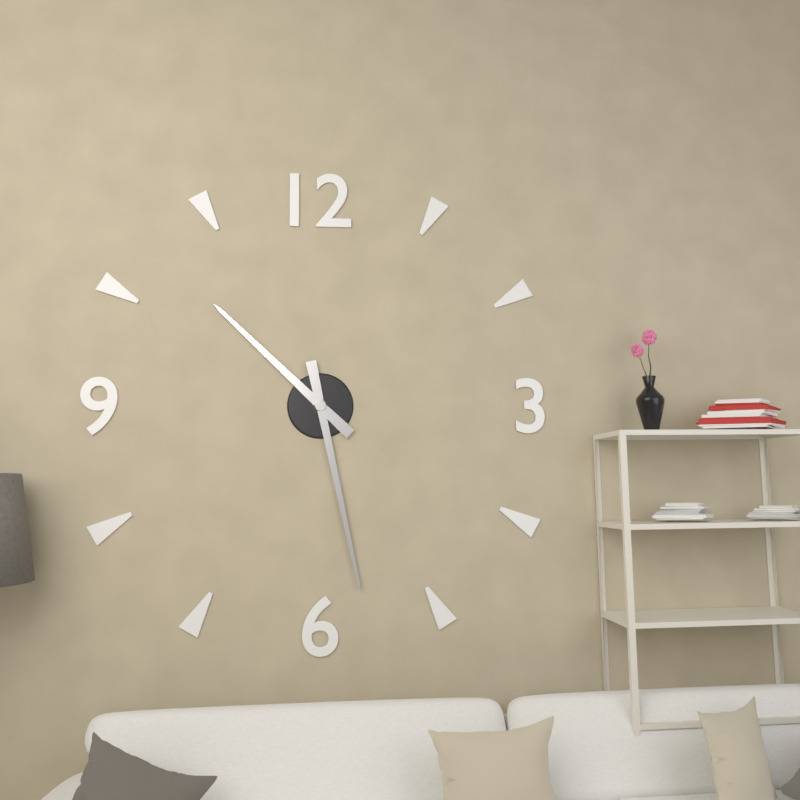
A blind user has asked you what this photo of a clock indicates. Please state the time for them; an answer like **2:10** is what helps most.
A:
**10:28**
